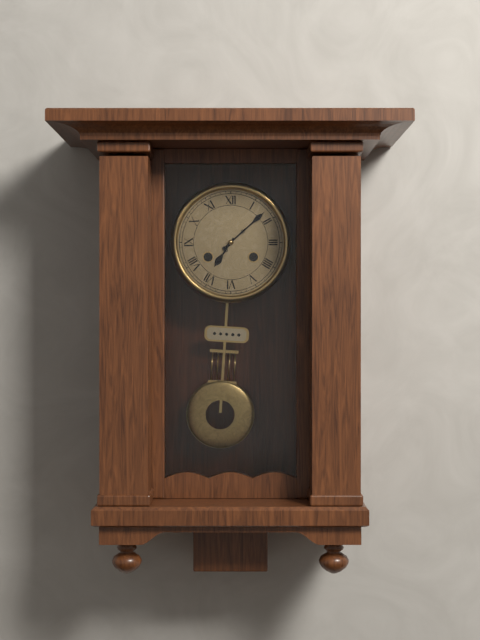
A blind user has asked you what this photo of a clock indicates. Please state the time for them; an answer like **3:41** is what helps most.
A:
**7:08**
